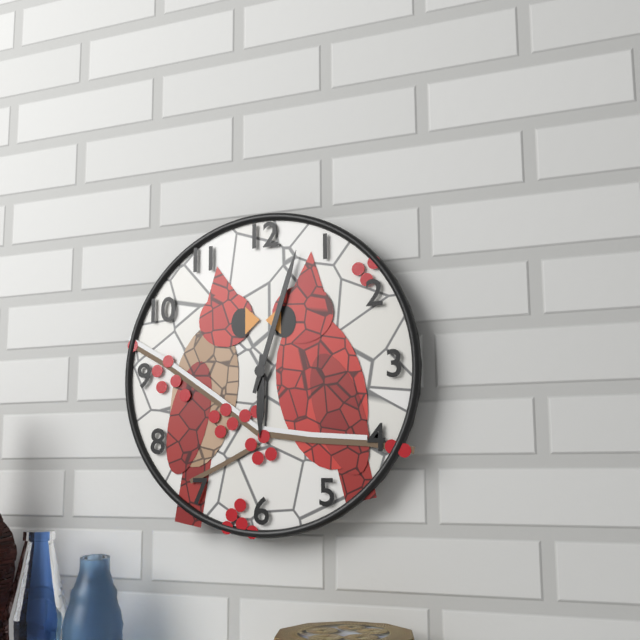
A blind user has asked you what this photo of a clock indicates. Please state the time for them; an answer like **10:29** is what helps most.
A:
**6:03**
